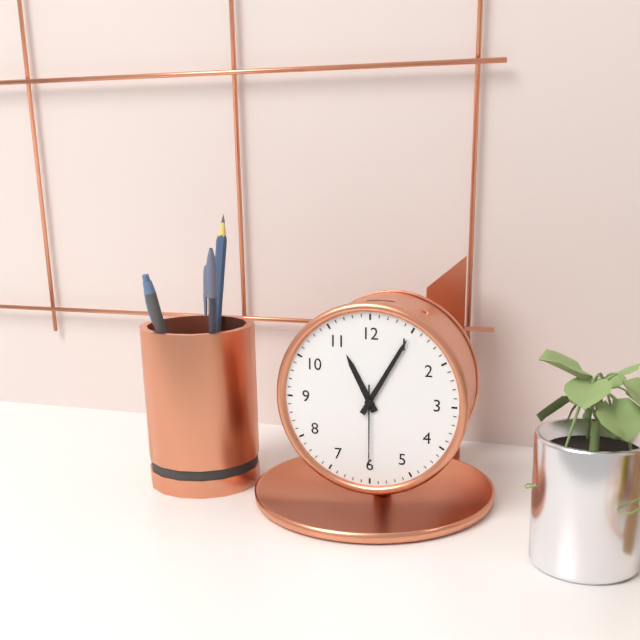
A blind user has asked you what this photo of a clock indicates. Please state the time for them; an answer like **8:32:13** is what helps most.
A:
**11:05:30**
